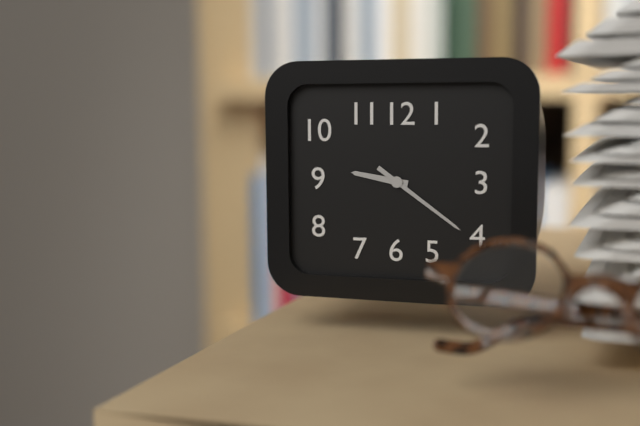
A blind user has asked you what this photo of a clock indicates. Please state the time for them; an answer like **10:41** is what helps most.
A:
**9:21**
